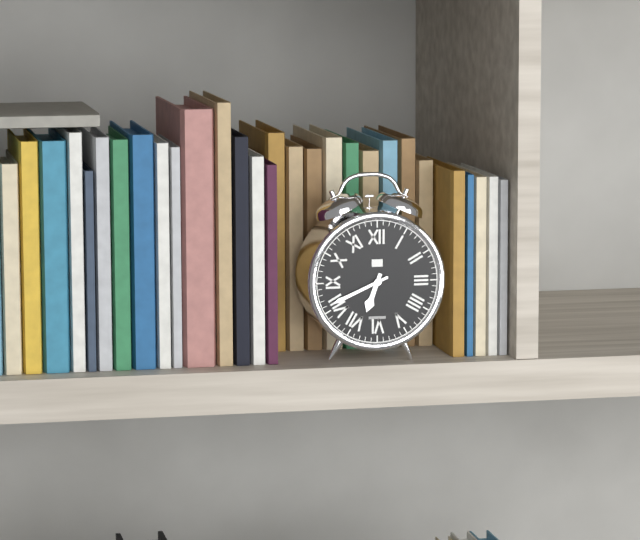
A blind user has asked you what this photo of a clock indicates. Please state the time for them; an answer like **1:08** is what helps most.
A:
**6:41**
